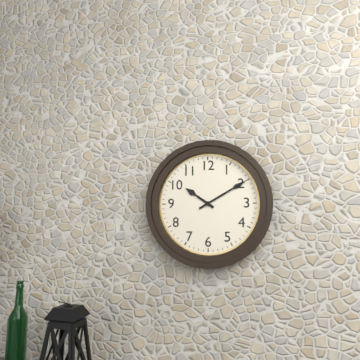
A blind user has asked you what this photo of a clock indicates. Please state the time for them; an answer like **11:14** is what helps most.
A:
**10:10**
